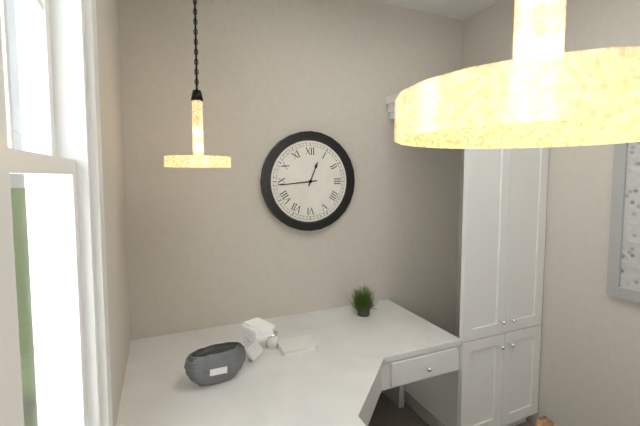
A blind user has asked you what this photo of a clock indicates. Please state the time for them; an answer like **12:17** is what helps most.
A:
**12:44**
